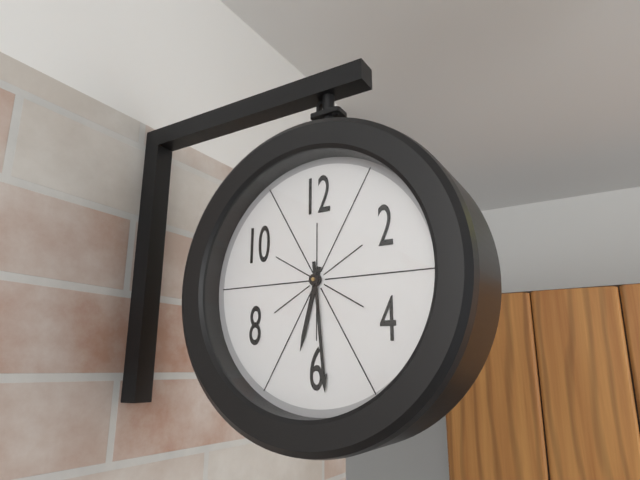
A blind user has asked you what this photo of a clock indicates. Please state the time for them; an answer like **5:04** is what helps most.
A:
**6:29**
